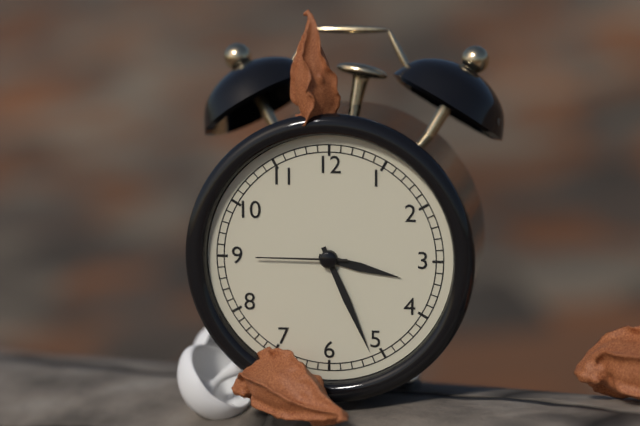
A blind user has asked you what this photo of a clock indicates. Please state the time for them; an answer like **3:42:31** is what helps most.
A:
**3:26:45**
